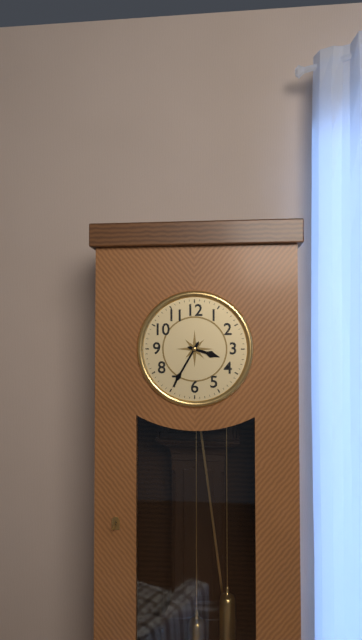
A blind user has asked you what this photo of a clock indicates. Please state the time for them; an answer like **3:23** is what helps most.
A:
**3:35**
